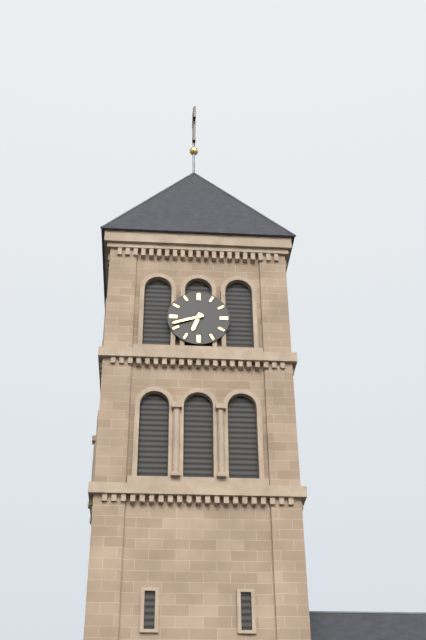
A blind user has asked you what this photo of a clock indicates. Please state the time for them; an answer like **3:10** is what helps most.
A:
**6:42**
